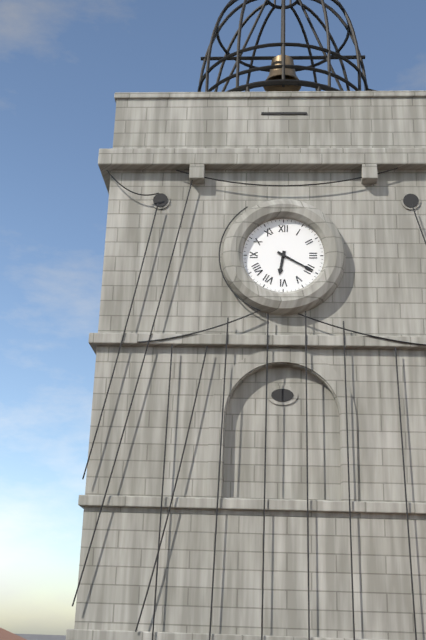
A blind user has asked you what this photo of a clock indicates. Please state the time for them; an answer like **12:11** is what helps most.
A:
**6:20**
